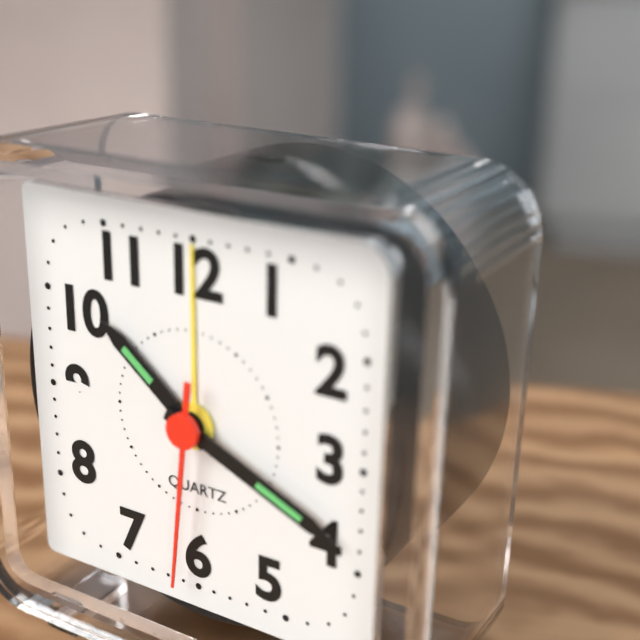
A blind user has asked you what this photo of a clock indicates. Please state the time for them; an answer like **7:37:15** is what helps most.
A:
**10:19:31**
